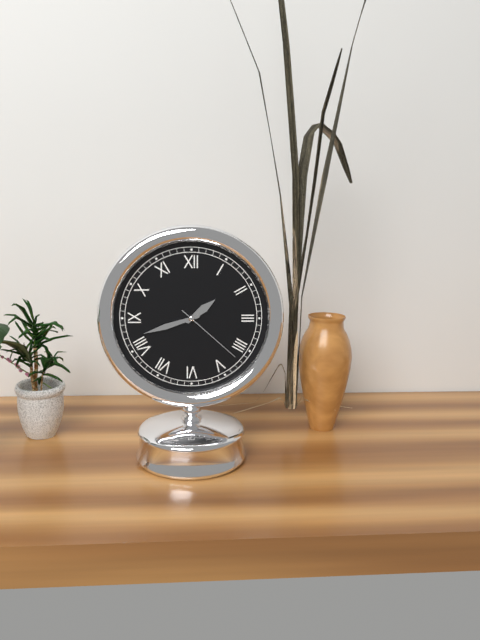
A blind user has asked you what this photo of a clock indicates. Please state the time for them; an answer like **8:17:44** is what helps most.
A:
**1:42:22**
